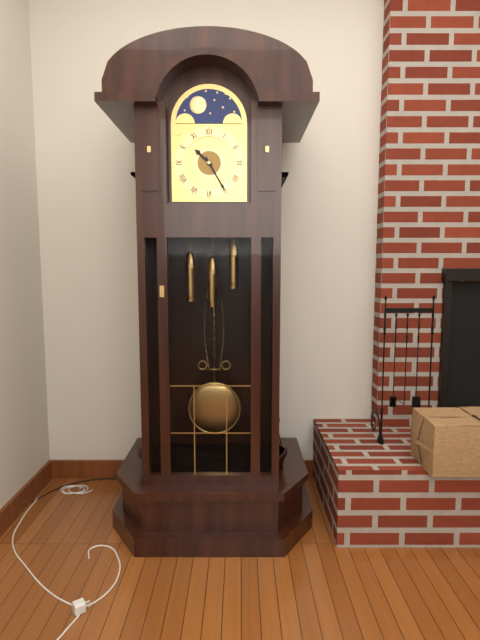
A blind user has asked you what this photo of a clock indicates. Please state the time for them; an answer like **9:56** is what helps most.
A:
**10:25**
